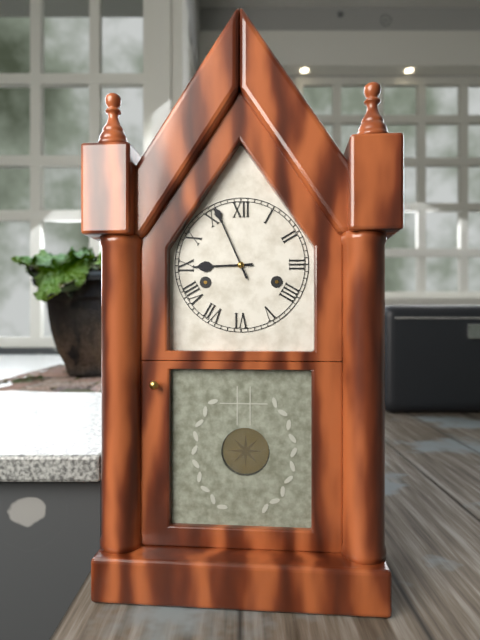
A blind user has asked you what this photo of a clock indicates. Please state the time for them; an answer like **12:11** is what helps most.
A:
**8:56**
